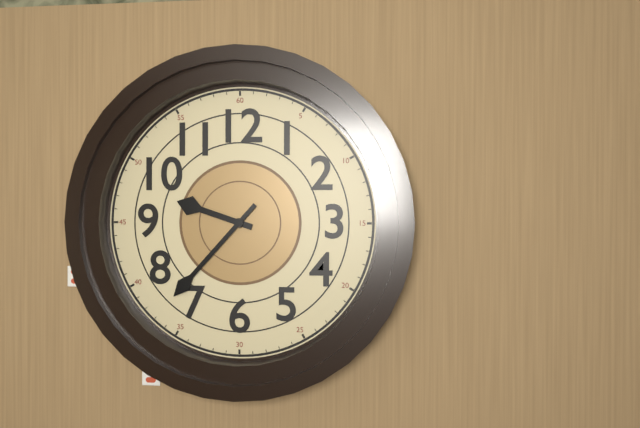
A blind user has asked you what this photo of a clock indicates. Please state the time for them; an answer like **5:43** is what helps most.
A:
**9:37**
